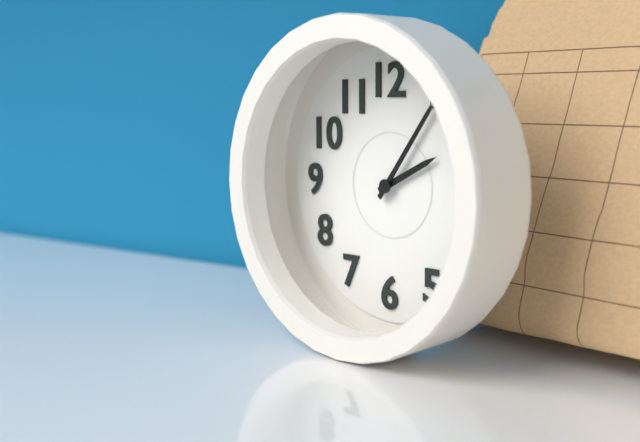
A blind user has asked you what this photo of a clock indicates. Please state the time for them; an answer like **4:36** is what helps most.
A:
**2:06**
